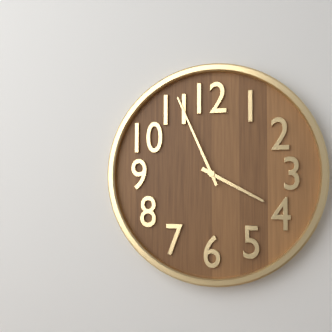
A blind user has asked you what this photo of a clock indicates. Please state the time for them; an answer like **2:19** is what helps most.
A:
**3:56**
